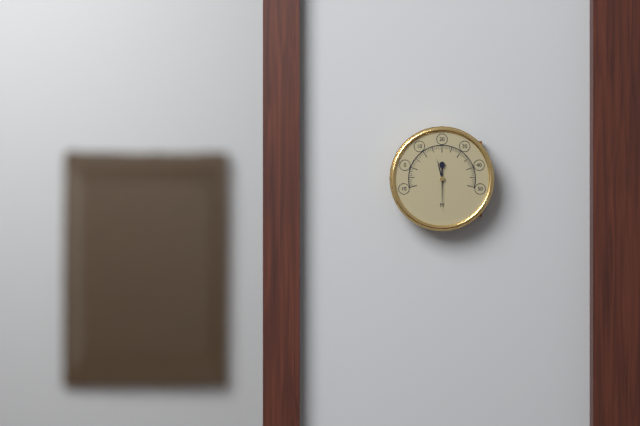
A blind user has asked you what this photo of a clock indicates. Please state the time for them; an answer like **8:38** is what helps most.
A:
**11:30**
